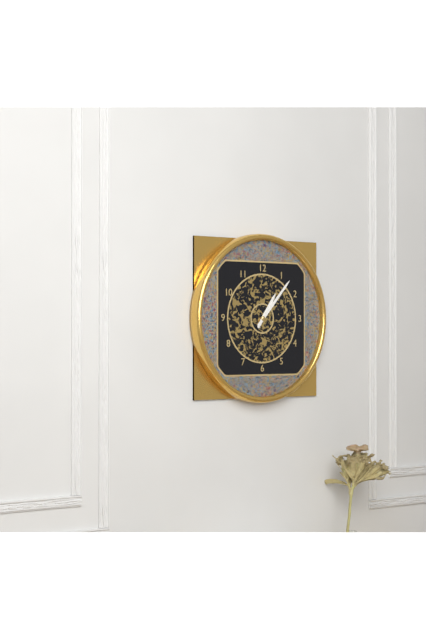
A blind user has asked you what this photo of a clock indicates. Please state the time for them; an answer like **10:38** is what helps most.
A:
**1:07**
